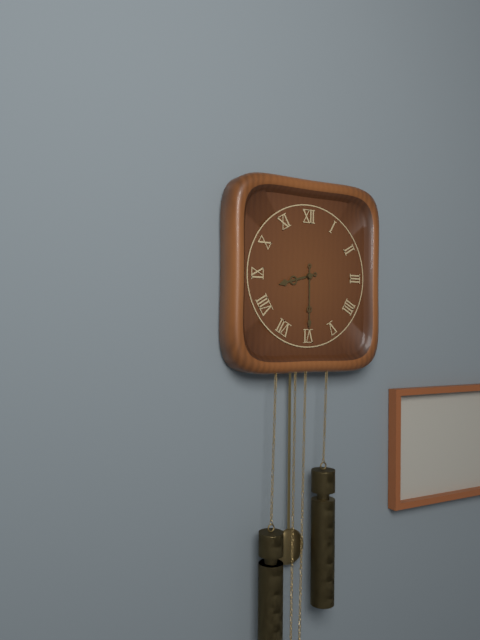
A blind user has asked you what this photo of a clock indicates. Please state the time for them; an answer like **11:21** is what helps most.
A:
**8:30**
